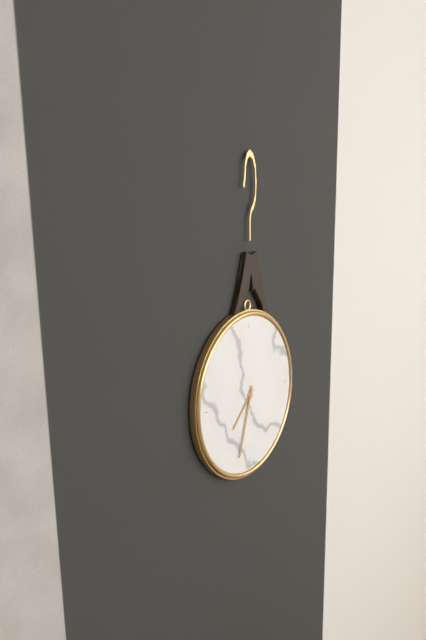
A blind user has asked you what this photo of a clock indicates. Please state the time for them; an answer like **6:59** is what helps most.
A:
**7:33**
